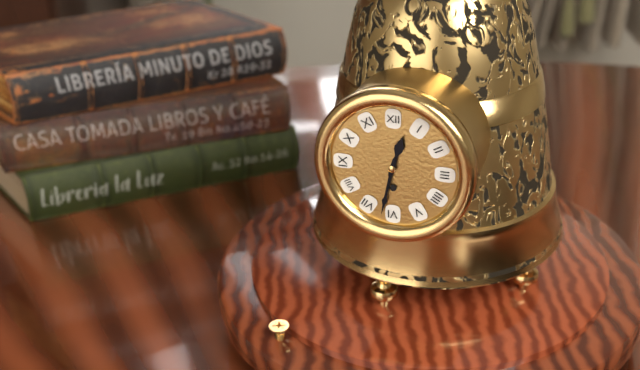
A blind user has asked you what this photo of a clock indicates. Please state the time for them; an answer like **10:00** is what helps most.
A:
**12:32**
